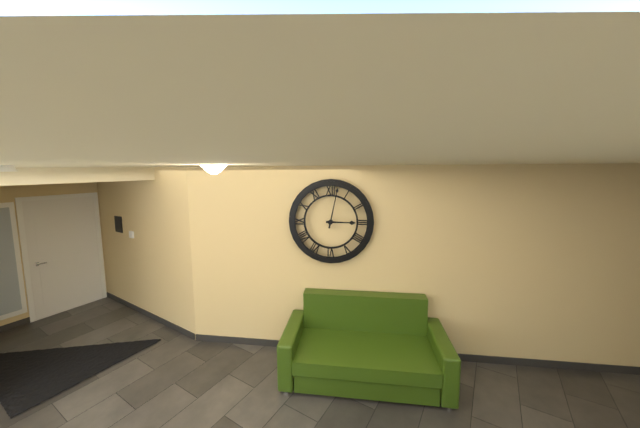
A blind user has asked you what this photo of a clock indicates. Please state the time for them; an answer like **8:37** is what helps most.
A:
**3:02**
